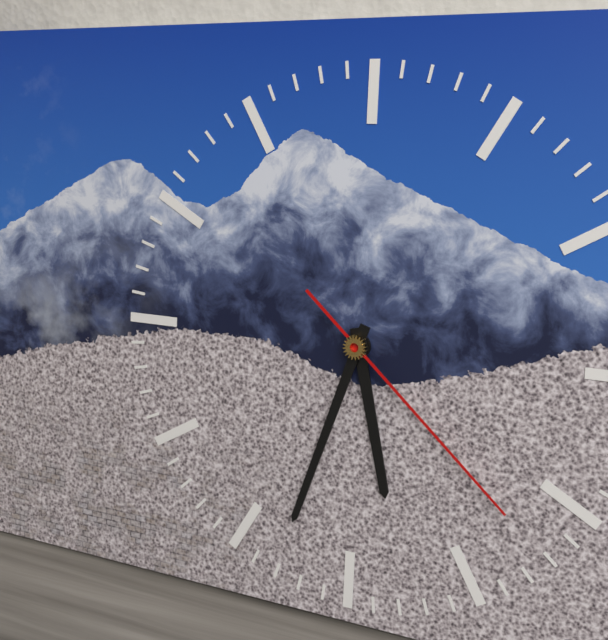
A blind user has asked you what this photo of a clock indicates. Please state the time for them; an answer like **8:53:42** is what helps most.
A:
**5:33:22**
